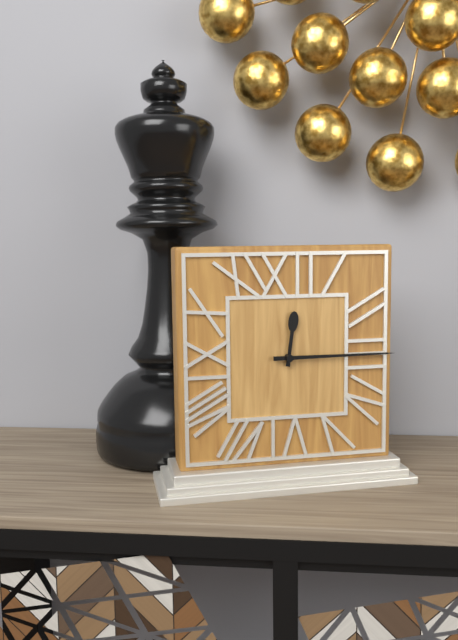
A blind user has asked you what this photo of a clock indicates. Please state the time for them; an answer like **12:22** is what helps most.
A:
**12:15**
